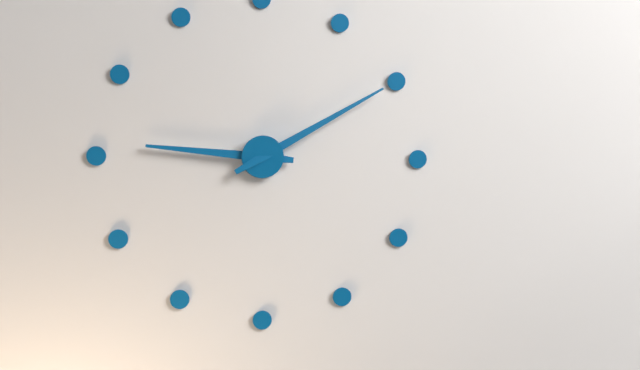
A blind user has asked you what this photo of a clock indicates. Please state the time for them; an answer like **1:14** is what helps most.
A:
**9:10**
